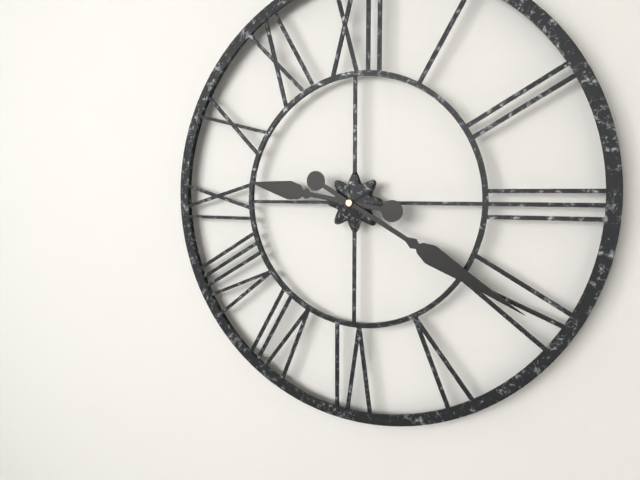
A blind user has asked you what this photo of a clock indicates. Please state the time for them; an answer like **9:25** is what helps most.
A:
**9:20**
